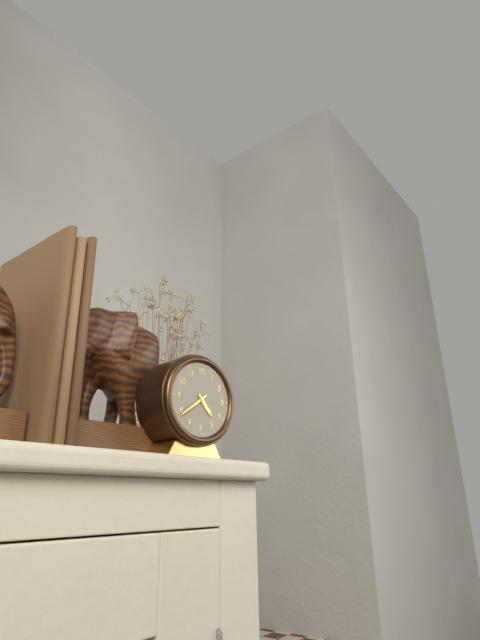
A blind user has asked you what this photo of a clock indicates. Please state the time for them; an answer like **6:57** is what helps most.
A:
**4:39**
